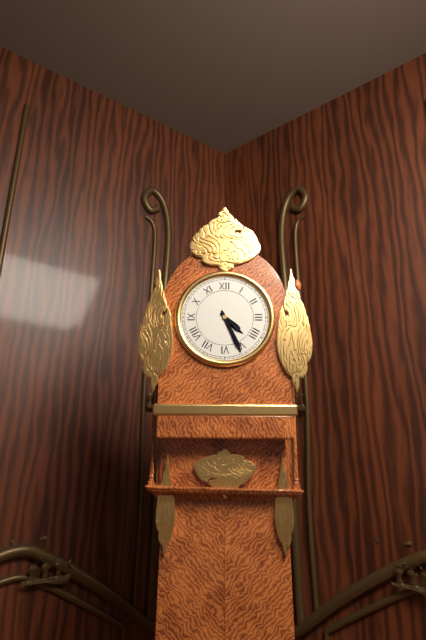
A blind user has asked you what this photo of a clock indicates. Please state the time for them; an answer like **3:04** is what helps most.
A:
**4:26**
